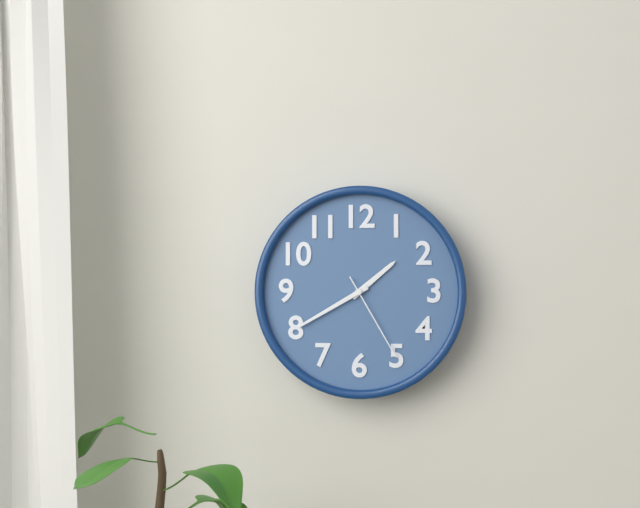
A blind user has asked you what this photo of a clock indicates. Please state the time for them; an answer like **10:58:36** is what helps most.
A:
**1:40:25**
